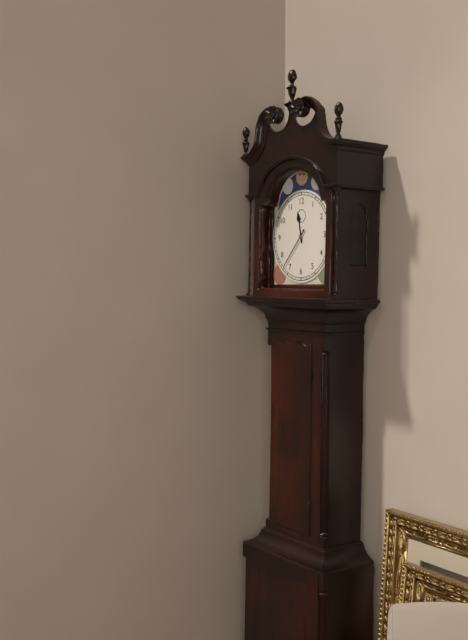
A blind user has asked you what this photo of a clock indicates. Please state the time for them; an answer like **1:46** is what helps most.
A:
**11:37**
